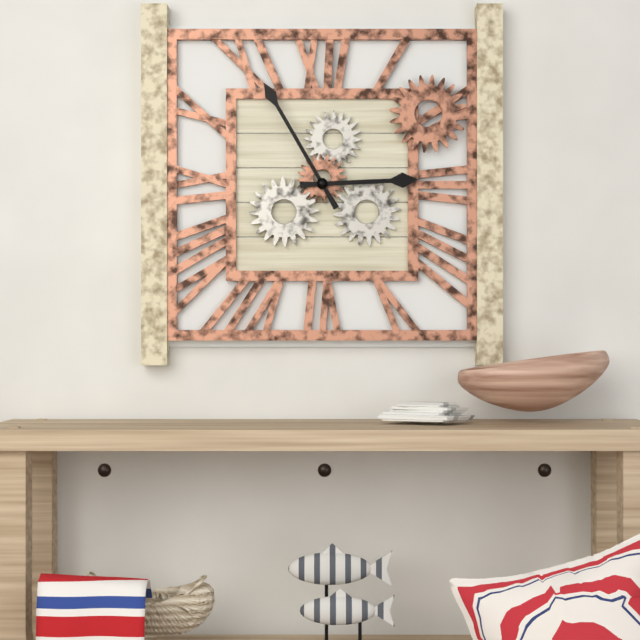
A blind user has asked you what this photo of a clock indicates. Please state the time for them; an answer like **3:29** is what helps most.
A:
**2:55**
